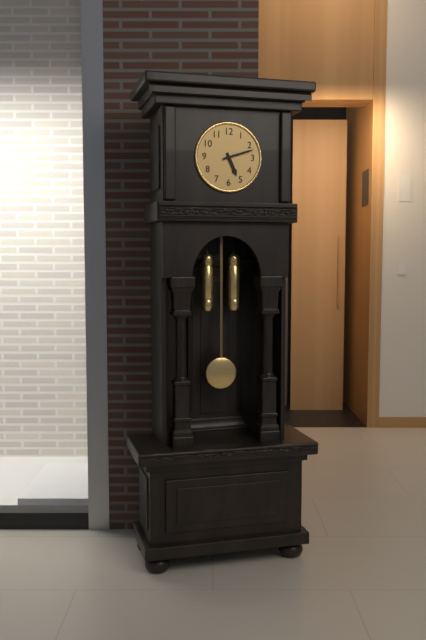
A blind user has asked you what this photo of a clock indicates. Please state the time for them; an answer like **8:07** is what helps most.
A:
**5:12**
